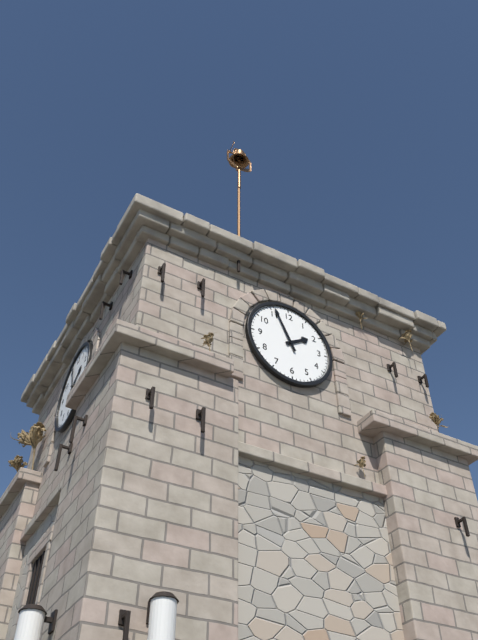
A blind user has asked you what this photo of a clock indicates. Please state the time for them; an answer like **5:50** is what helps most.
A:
**1:56**
